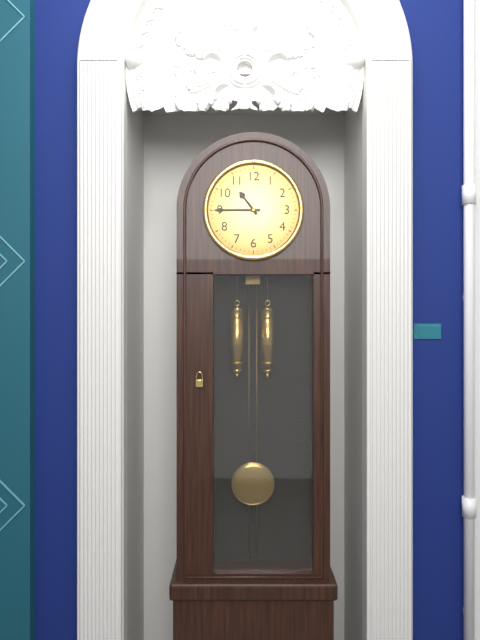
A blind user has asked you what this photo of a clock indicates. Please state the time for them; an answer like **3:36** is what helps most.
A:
**10:45**
